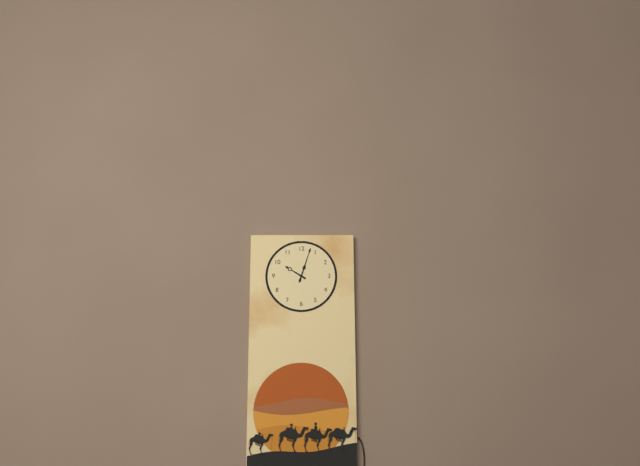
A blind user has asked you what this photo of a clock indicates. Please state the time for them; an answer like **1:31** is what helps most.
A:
**10:03**
